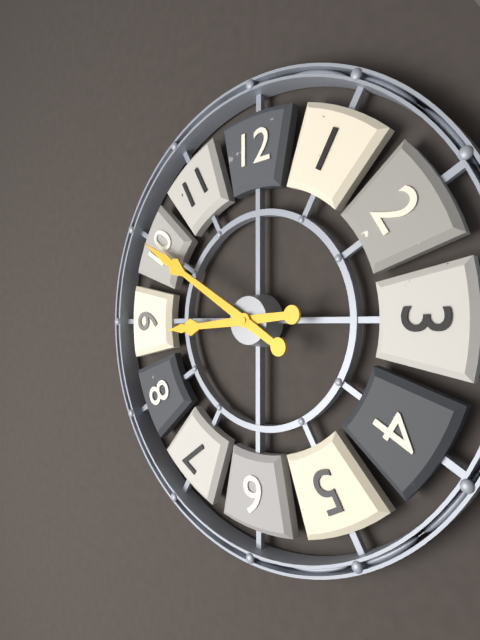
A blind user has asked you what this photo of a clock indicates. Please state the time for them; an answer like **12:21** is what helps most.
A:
**8:50**
